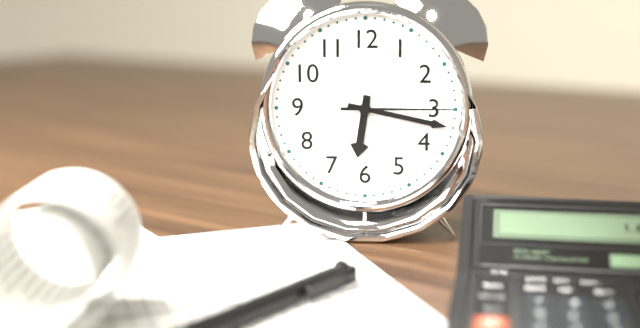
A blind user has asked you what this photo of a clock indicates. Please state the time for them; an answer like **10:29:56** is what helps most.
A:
**6:17:15**
